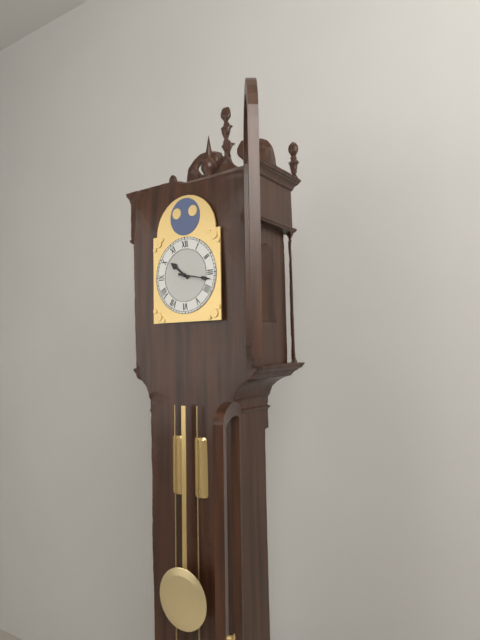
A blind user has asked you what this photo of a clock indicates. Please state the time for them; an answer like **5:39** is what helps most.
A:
**10:17**
